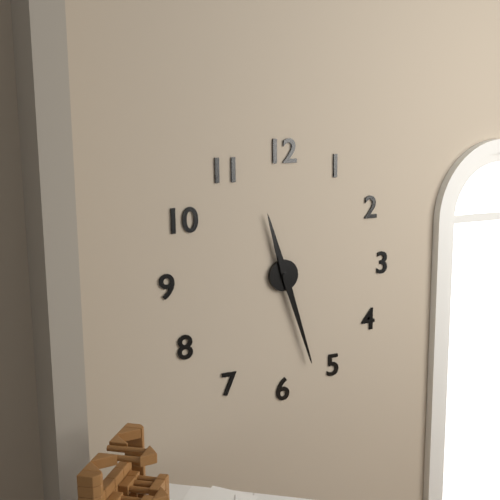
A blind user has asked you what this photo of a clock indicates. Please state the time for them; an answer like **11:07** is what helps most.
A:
**11:27**
